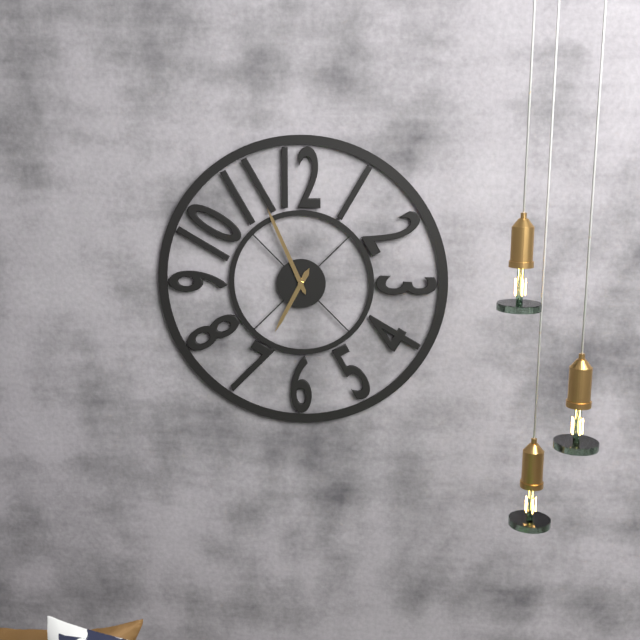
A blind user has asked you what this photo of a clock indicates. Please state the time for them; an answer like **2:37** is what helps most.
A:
**6:56**
